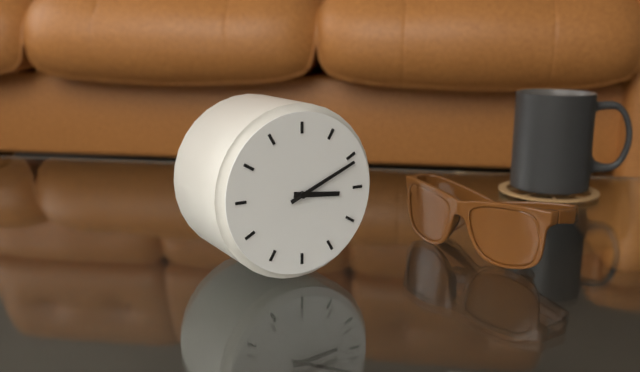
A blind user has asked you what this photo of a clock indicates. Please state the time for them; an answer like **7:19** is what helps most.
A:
**3:11**
